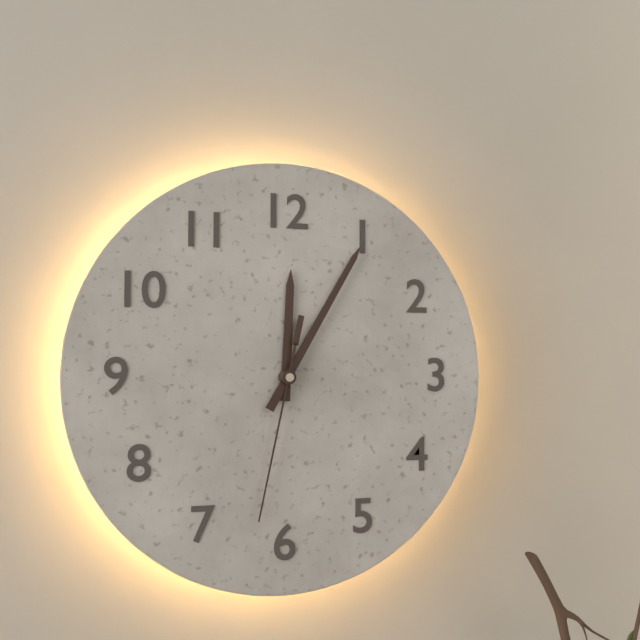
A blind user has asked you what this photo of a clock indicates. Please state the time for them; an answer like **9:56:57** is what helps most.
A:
**12:05:32**
